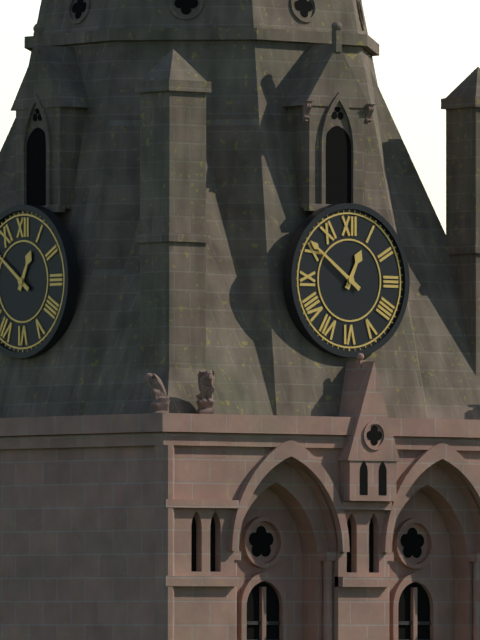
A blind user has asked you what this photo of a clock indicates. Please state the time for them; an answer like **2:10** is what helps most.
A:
**12:51**
